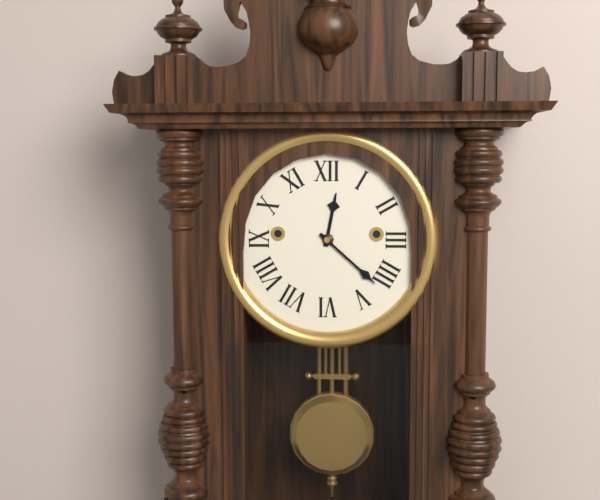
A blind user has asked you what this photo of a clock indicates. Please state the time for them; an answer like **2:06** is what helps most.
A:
**12:22**
